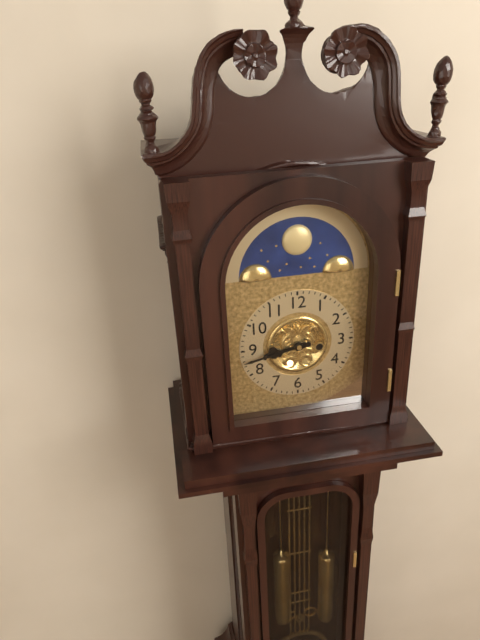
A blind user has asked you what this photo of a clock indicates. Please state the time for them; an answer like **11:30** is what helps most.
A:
**8:43**
